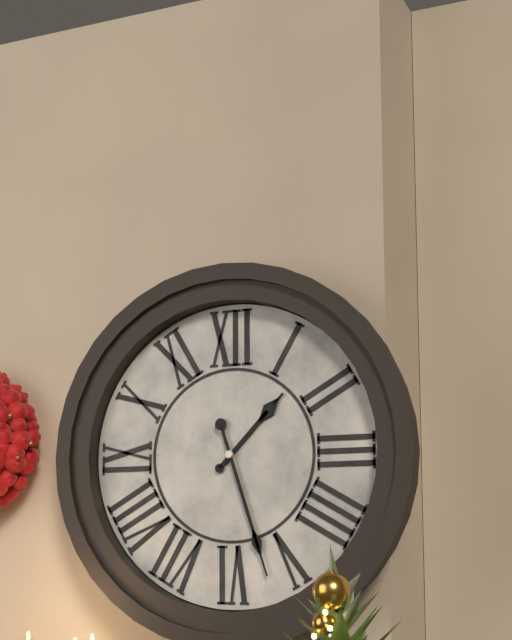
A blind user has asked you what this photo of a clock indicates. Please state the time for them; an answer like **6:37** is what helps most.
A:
**1:27**
